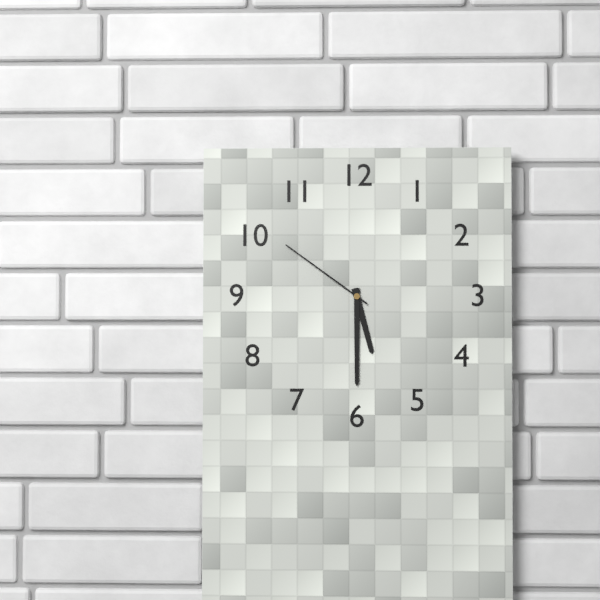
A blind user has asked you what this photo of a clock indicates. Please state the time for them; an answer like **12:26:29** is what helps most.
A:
**5:30:51**
